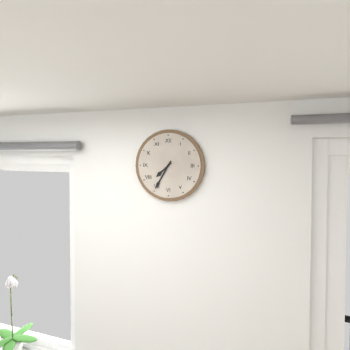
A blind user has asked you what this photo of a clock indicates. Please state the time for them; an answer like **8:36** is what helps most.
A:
**7:35**
